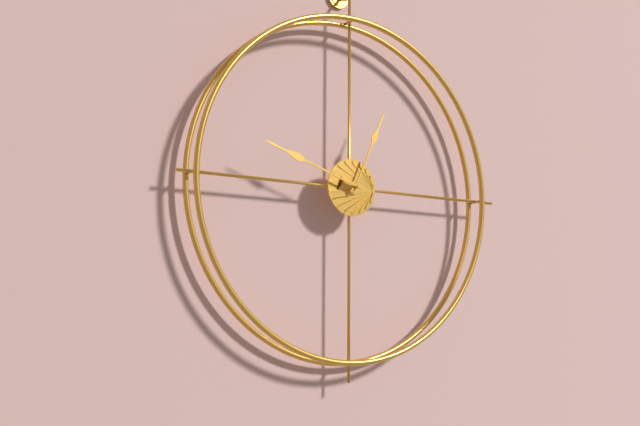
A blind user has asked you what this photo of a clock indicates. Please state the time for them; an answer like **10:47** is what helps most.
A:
**12:48**
